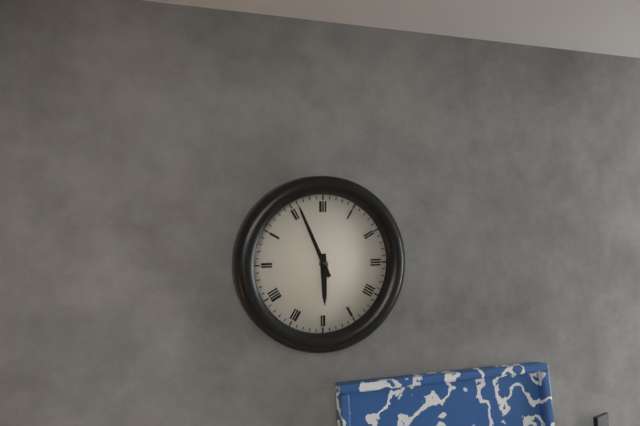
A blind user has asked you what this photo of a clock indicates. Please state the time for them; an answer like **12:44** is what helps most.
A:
**5:56**
